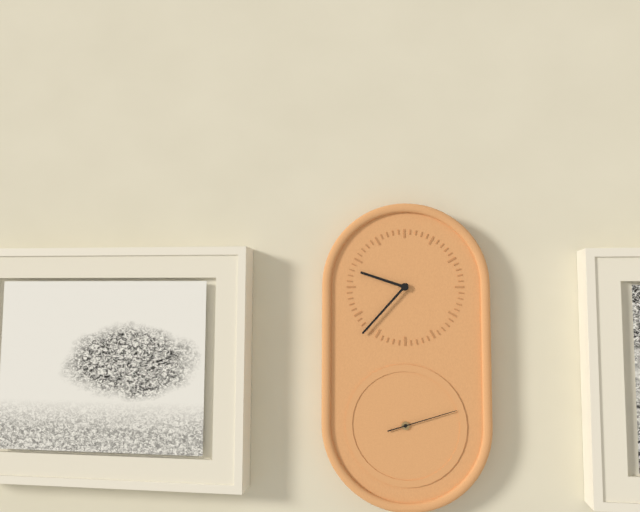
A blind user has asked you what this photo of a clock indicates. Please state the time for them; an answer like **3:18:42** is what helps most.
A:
**9:37:12**
